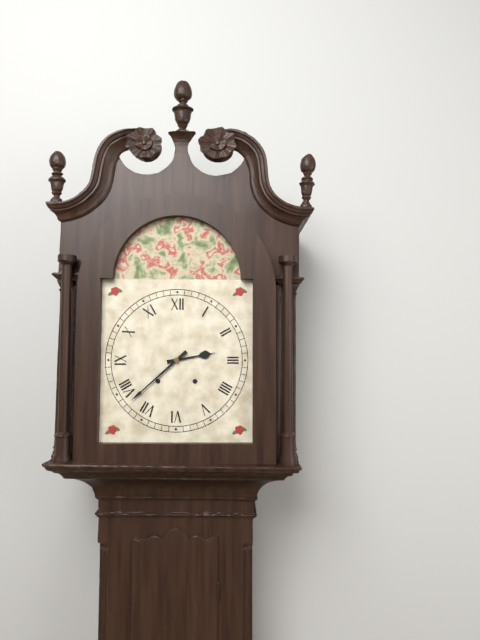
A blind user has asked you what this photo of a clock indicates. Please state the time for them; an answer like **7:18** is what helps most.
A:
**2:38**
